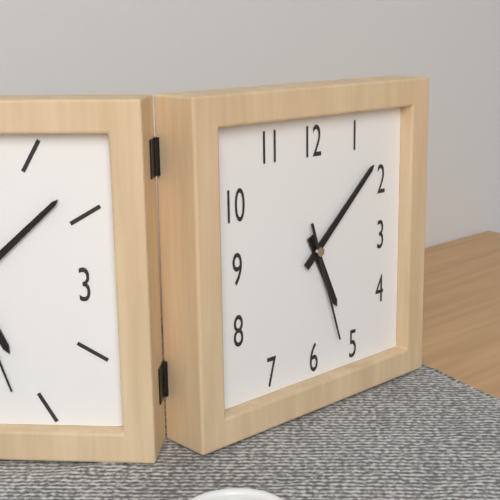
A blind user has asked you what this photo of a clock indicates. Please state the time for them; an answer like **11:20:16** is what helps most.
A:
**5:08:27**
